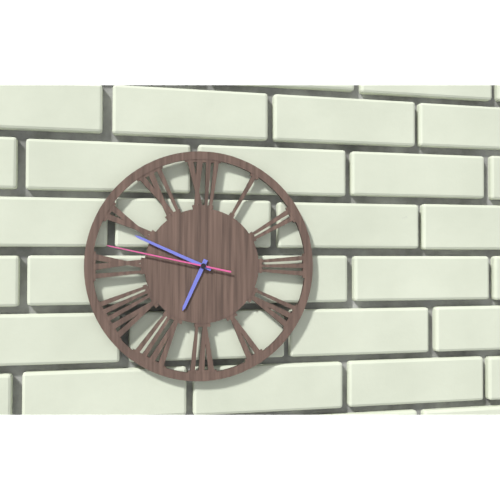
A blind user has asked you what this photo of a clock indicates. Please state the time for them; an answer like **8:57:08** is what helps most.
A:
**6:49:47**
